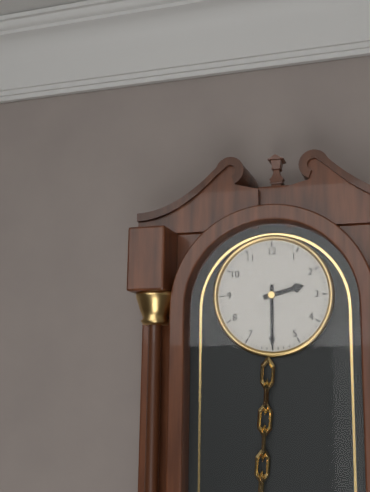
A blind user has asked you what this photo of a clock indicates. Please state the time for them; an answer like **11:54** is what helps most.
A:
**2:30**
